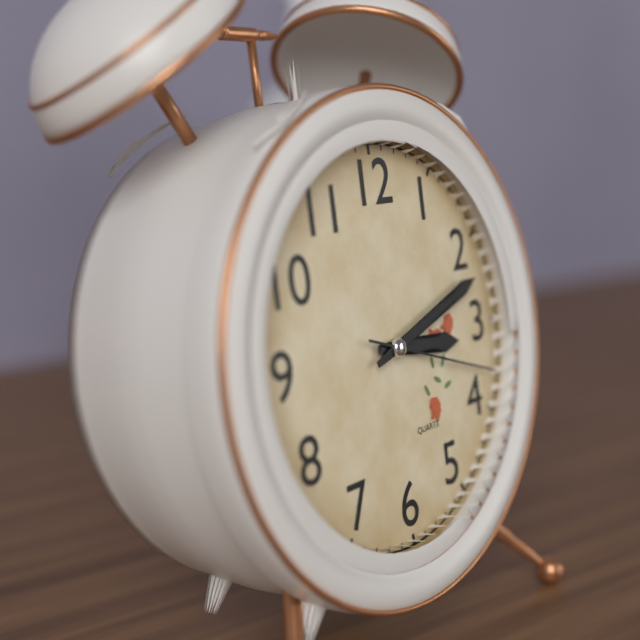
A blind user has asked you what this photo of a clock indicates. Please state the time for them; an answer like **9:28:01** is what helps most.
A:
**3:12:18**
